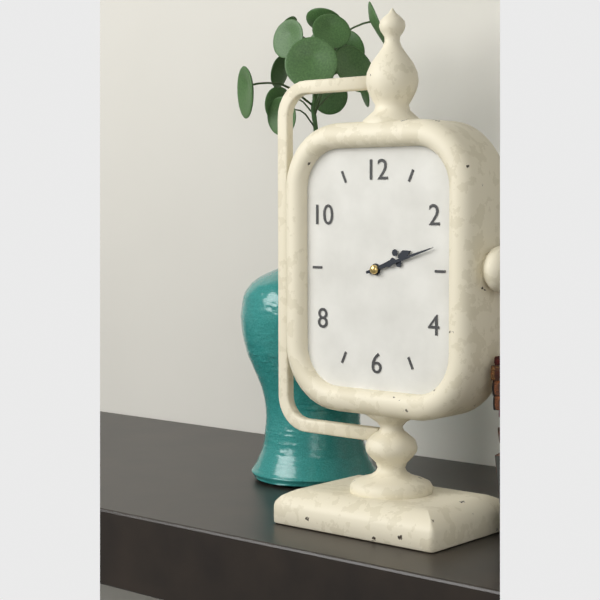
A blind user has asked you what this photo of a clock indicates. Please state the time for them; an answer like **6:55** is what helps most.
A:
**2:12**
